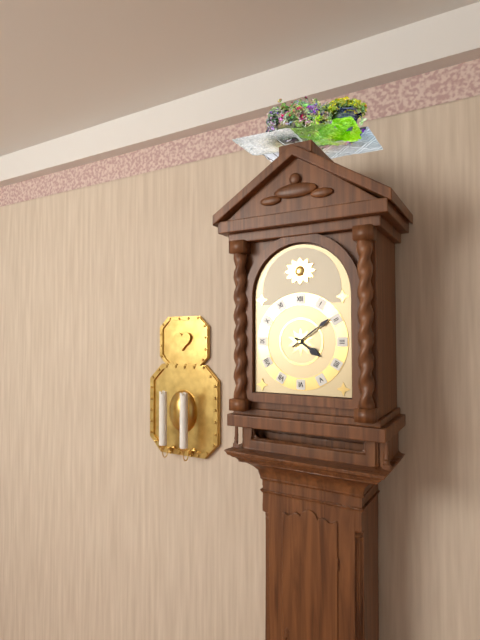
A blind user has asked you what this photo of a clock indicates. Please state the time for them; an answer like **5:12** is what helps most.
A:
**4:09**
